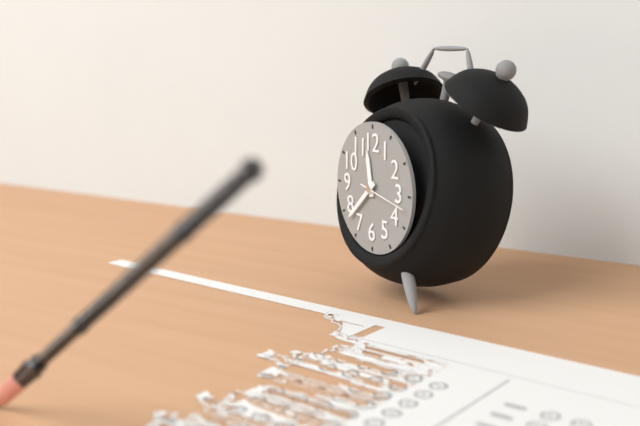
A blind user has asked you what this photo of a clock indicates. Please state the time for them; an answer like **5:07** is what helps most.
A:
**11:38**
